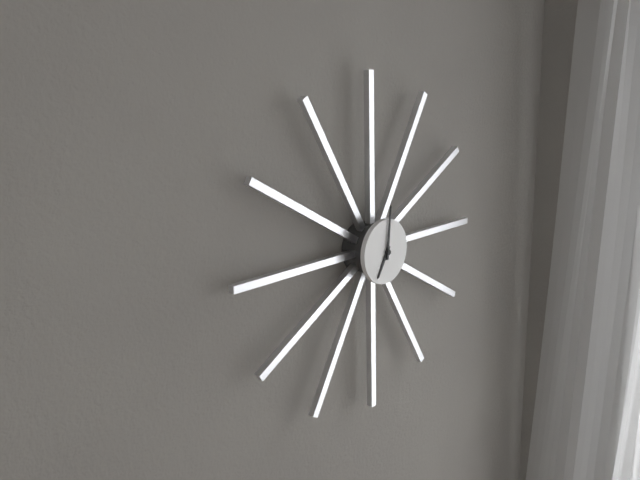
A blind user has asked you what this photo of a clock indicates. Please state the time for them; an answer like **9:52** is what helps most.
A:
**7:01**
